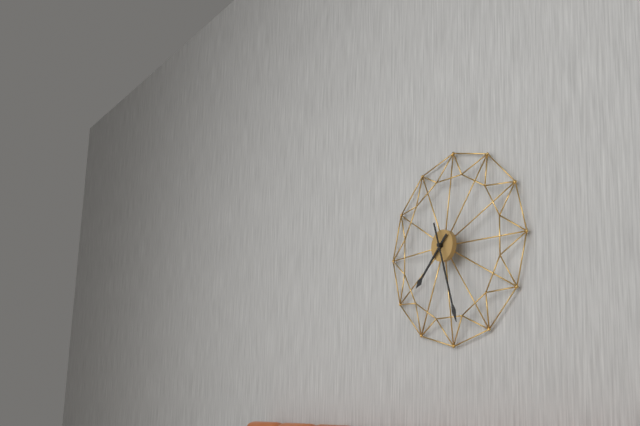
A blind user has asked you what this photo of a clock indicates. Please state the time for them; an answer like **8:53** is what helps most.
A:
**7:27**
